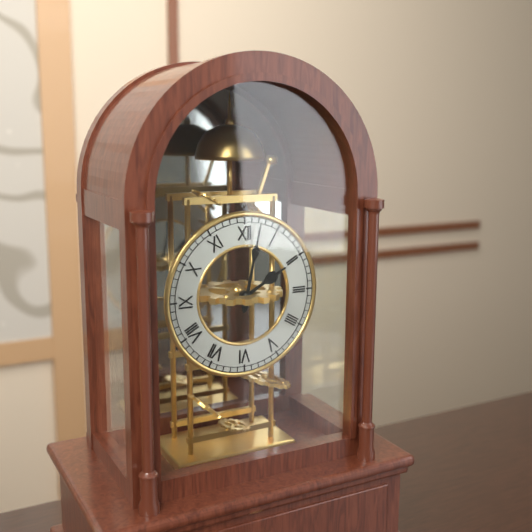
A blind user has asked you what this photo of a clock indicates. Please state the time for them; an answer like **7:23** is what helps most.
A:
**2:02**
